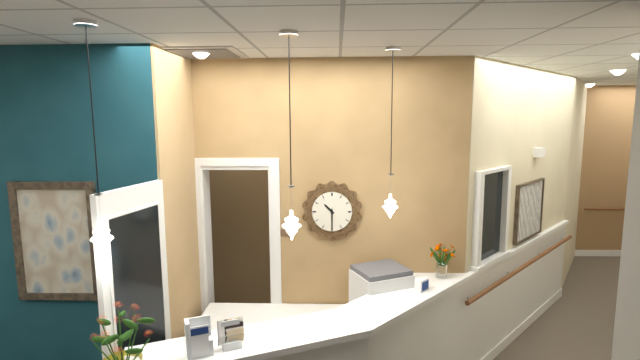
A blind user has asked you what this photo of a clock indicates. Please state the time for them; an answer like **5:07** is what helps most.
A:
**10:30**
